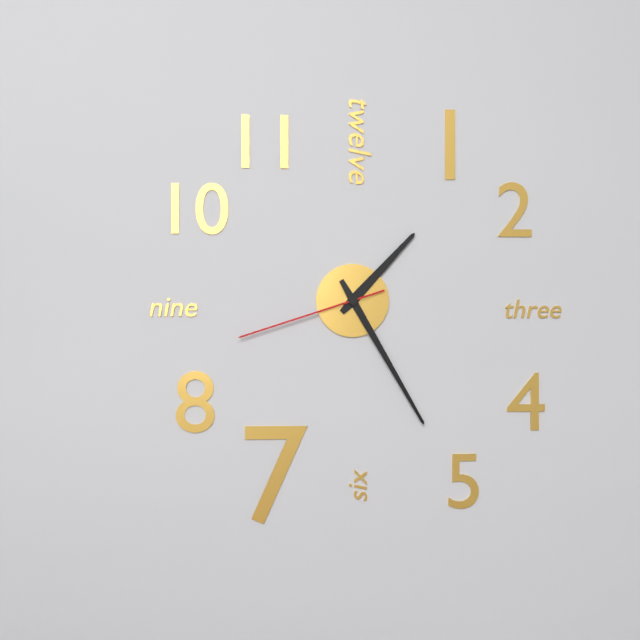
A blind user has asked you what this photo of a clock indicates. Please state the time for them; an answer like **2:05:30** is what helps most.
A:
**1:25:42**
